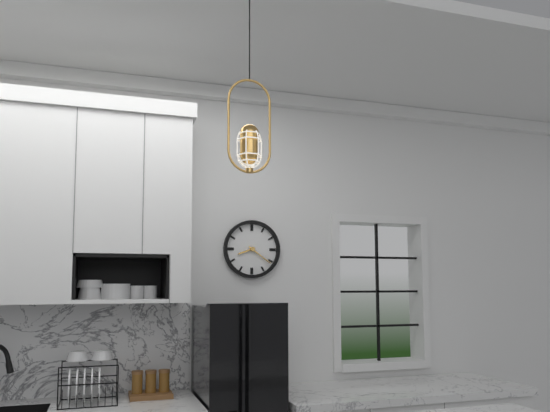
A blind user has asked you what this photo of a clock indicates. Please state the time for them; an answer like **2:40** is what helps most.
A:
**8:21**
